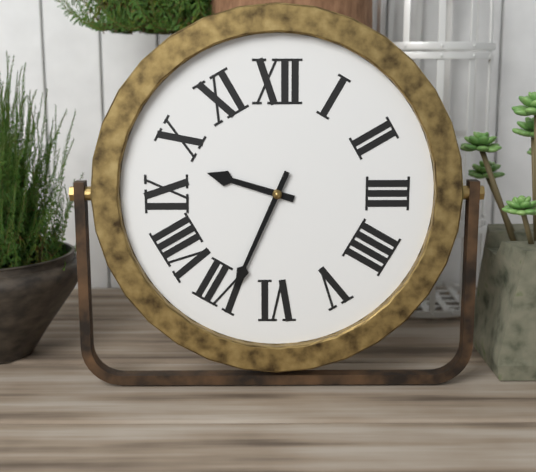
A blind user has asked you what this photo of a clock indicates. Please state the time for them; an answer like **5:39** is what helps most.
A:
**9:34**
